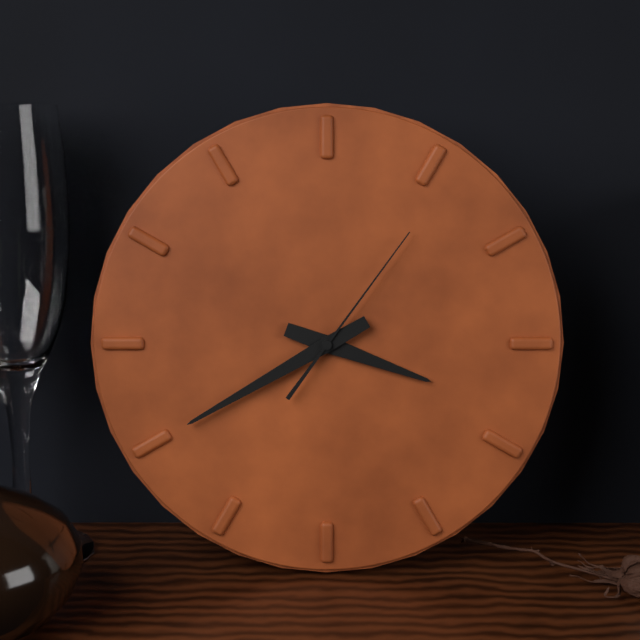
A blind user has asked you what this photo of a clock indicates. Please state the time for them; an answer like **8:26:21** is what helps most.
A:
**3:40:06**
